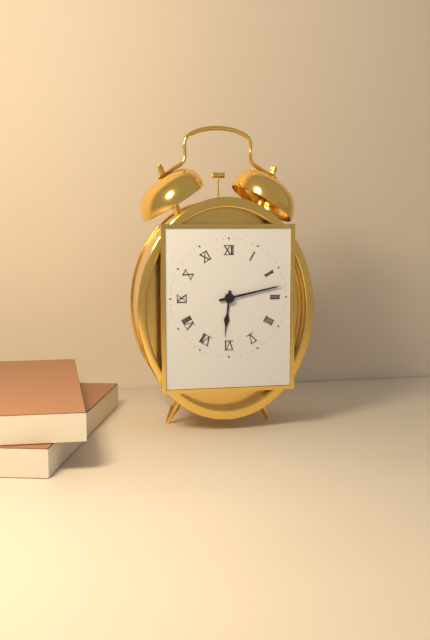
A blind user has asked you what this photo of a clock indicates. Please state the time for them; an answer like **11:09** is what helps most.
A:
**6:13**
